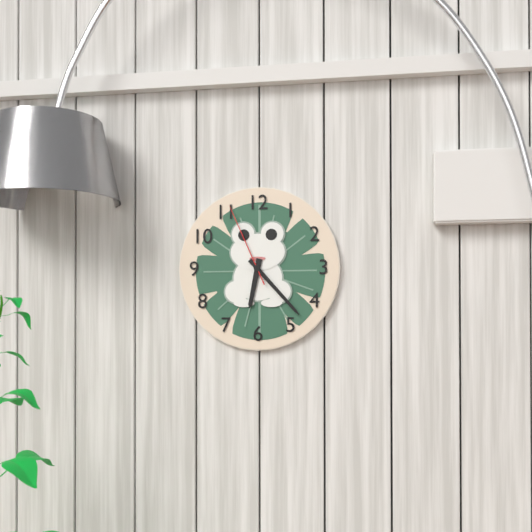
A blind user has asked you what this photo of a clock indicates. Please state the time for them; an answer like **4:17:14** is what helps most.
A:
**6:23:56**
